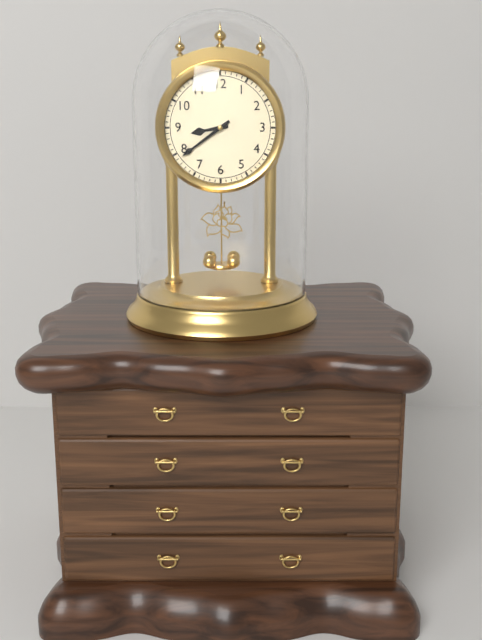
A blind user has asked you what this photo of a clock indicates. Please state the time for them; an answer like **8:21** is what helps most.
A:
**8:39**
